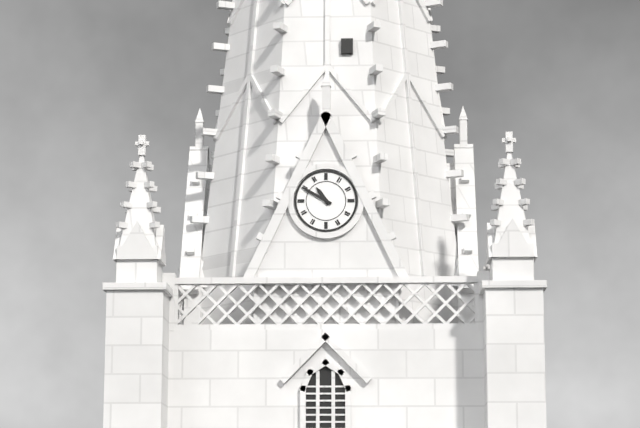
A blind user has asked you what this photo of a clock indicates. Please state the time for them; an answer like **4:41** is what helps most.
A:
**10:50**
